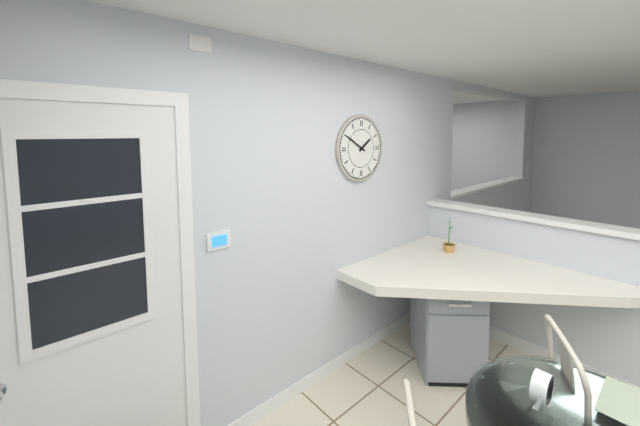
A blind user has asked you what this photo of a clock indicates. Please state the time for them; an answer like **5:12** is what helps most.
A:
**1:50**
